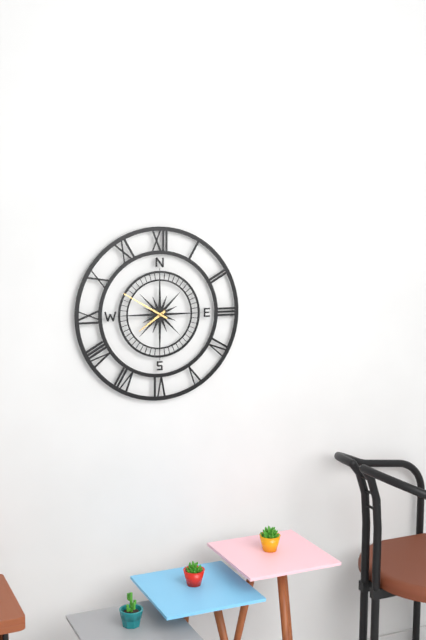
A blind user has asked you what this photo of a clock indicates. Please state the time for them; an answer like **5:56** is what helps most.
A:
**7:50**
